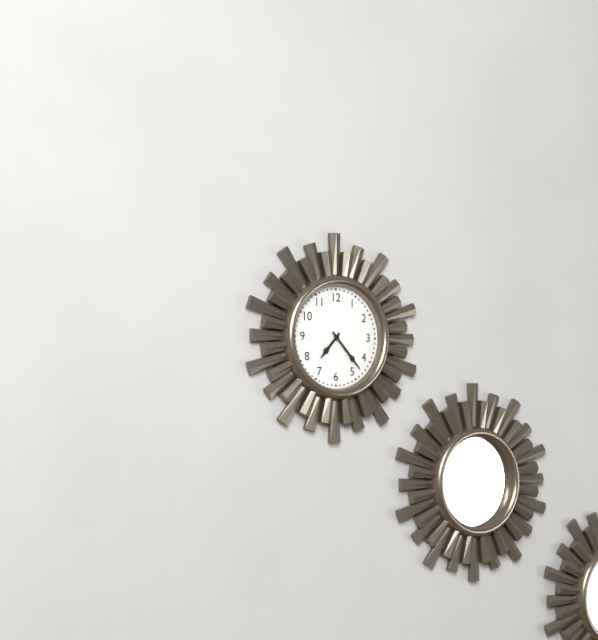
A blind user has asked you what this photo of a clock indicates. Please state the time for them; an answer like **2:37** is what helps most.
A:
**7:23**
